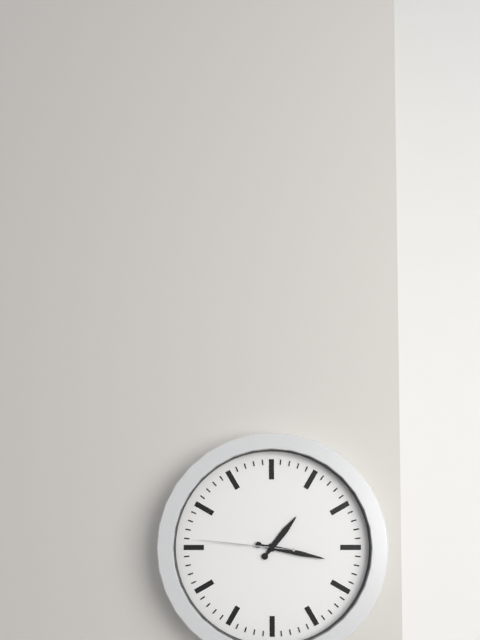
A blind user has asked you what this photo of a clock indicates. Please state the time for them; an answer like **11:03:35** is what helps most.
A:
**1:17:46**
